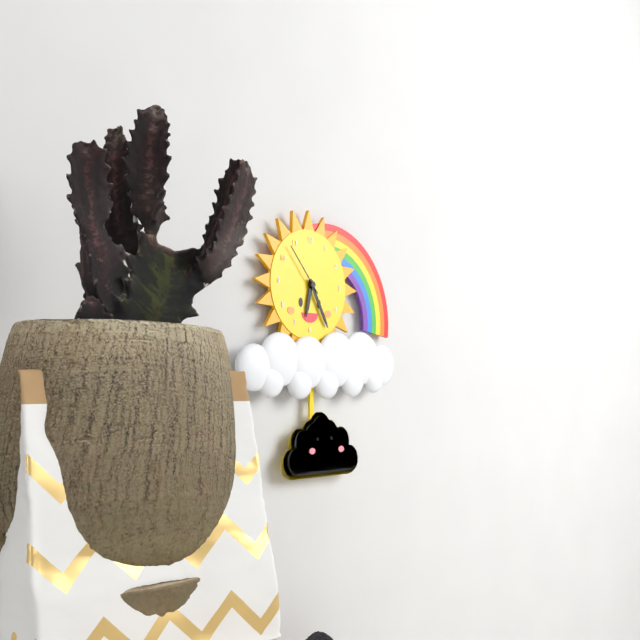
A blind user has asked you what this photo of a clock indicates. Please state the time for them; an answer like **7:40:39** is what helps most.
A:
**6:25:53**
